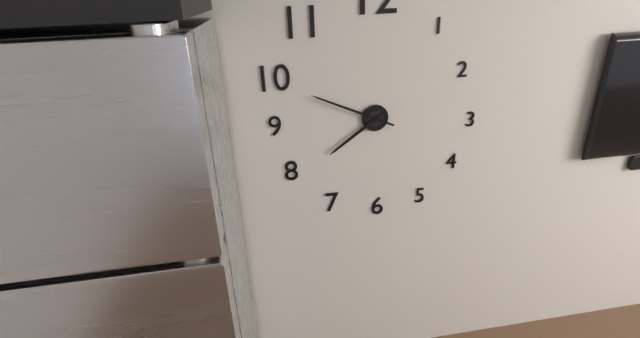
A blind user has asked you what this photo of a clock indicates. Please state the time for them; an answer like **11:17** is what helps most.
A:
**7:49**
